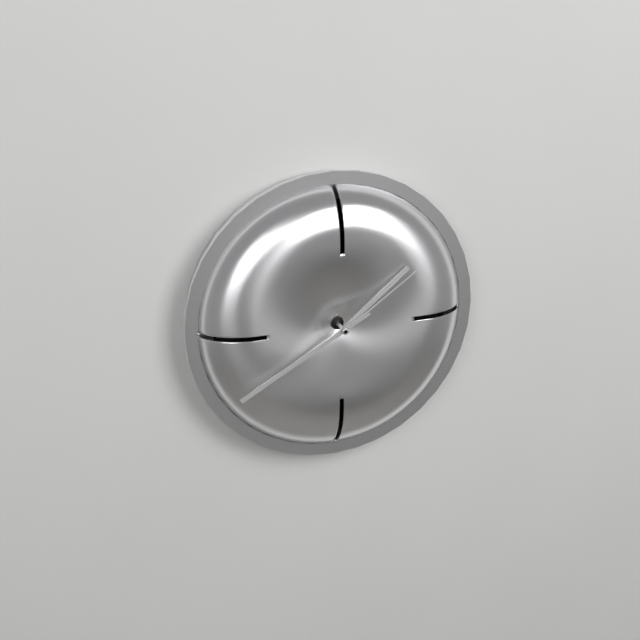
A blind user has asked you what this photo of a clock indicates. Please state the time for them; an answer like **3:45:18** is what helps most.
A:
**1:40:09**
